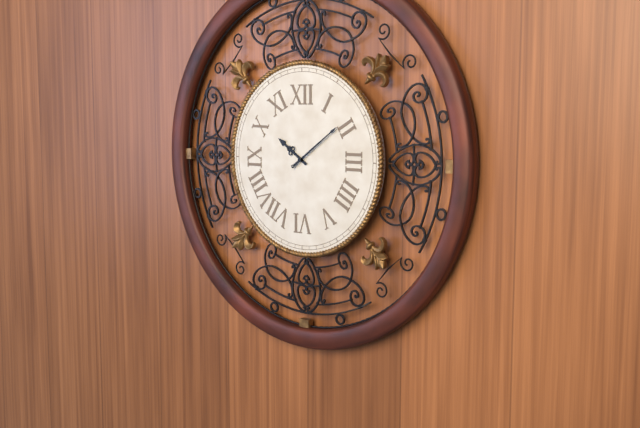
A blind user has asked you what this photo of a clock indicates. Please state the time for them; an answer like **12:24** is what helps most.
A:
**10:09**
